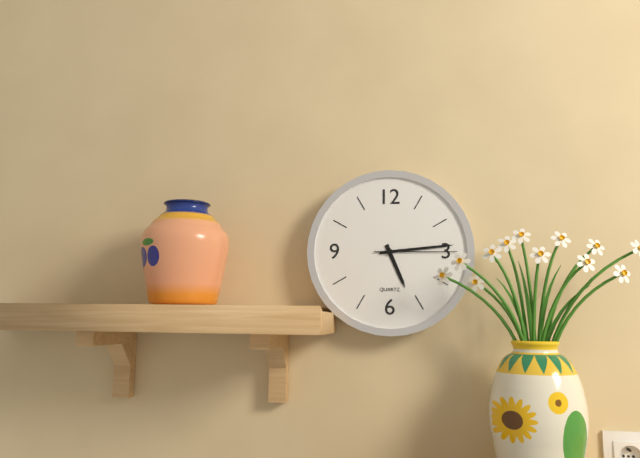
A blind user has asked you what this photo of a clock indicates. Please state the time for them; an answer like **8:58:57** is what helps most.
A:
**5:14:15**
